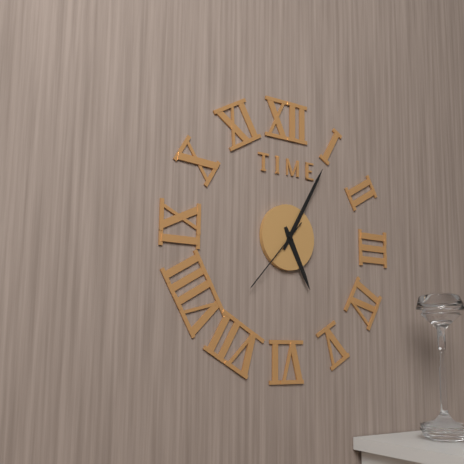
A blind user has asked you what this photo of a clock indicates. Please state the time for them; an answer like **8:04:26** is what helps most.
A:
**5:05:37**
